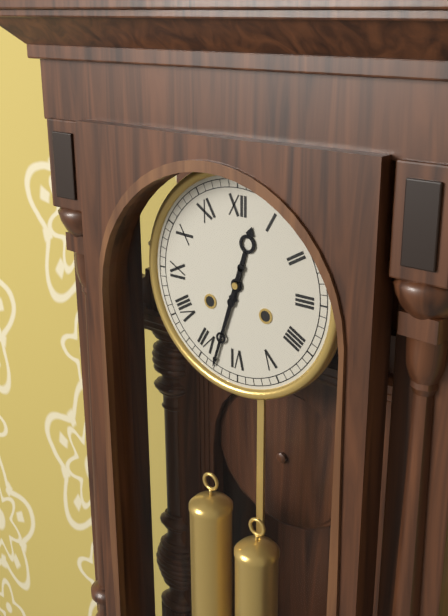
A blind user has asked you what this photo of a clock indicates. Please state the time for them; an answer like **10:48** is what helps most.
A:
**12:33**
